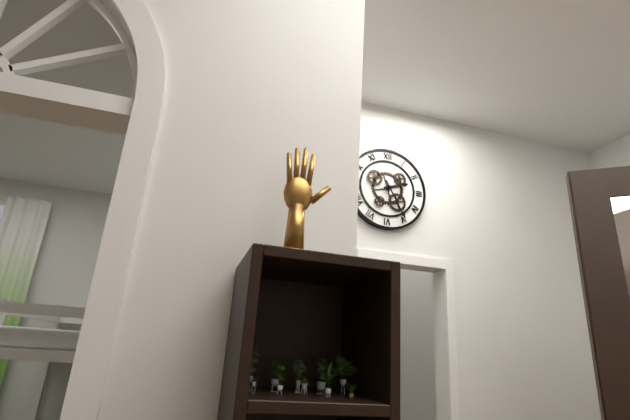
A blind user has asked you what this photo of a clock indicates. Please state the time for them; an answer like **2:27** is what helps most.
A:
**2:25**
